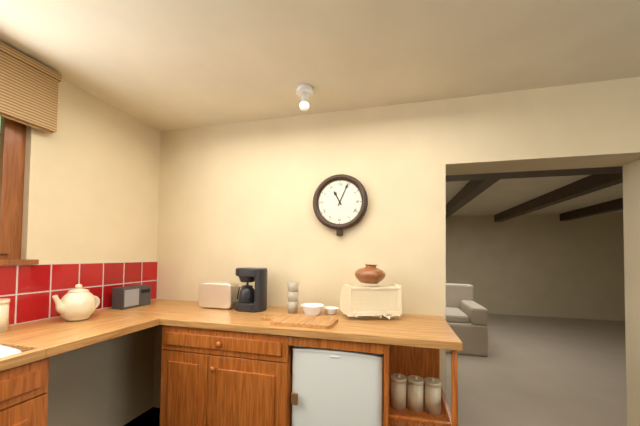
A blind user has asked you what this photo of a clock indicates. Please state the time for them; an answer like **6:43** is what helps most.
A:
**11:04**
